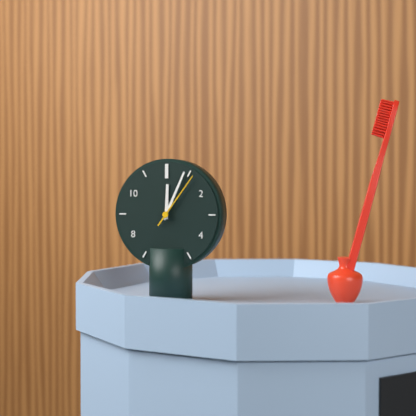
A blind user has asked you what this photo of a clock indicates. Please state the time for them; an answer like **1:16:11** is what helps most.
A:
**12:04:06**
